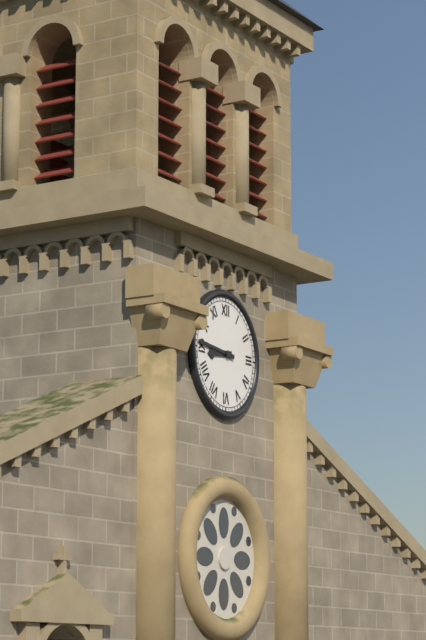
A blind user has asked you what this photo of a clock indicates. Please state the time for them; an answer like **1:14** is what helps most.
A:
**8:46**
